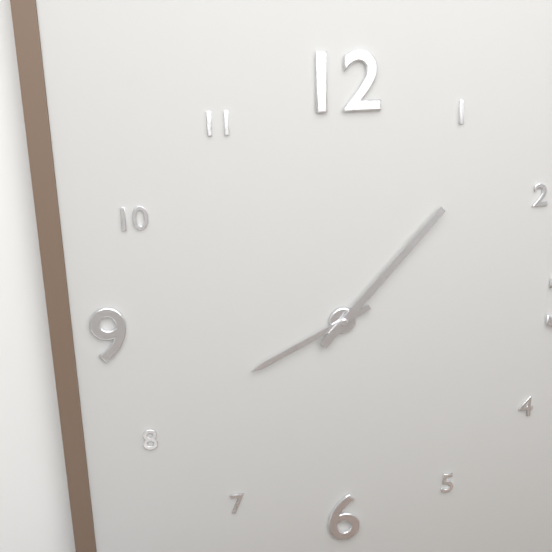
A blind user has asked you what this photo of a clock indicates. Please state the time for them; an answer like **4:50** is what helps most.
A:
**8:07**
